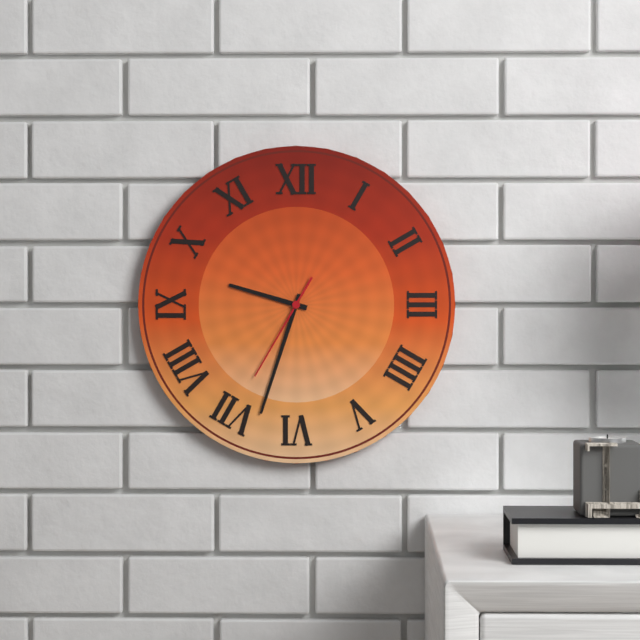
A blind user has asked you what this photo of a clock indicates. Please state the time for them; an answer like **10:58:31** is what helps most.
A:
**9:33:35**
